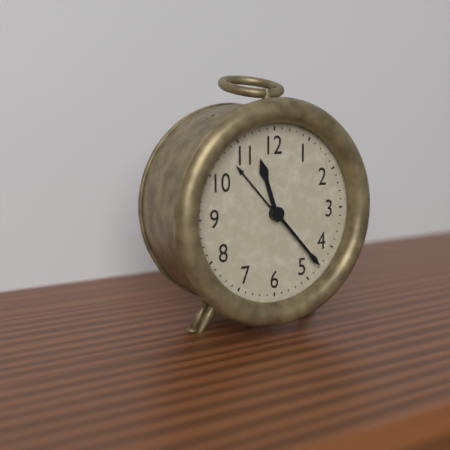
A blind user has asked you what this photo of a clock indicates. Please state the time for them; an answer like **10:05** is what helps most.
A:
**11:23**
